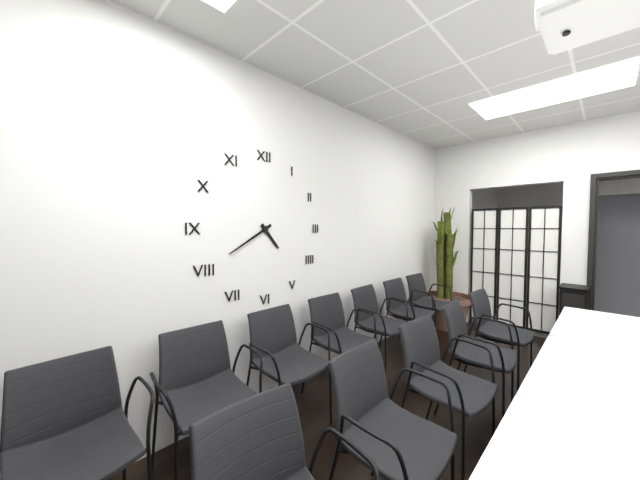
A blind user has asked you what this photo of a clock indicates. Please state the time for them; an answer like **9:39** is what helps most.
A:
**4:40**
